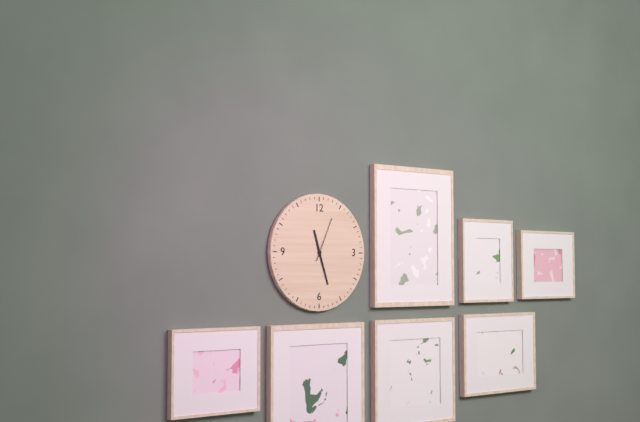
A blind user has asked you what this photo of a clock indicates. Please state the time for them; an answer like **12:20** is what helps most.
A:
**11:27**
